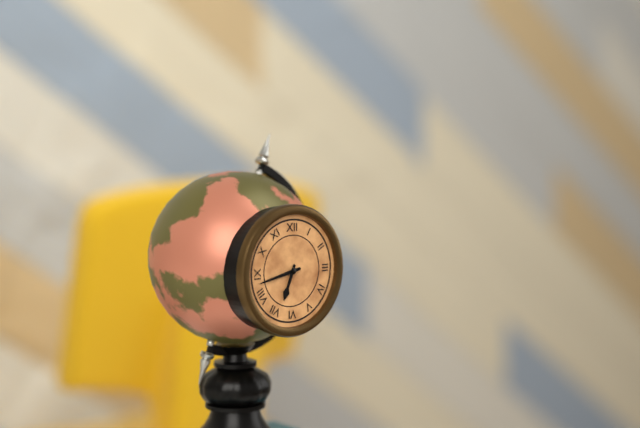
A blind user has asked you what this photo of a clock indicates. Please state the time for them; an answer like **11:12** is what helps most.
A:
**6:43**
